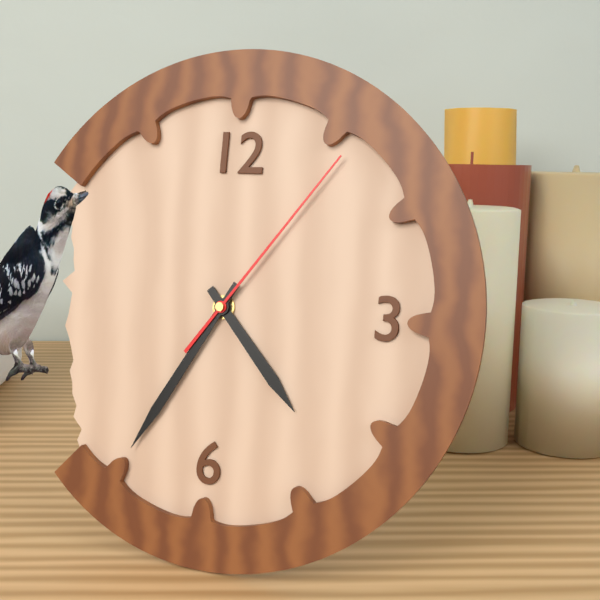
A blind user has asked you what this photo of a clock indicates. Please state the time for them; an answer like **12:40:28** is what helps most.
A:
**4:35:06**
